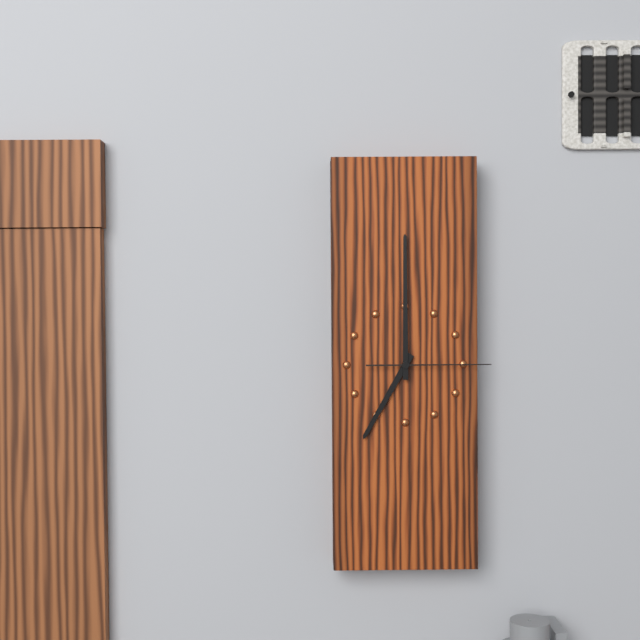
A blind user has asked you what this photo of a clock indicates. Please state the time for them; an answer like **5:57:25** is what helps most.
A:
**7:00:15**
